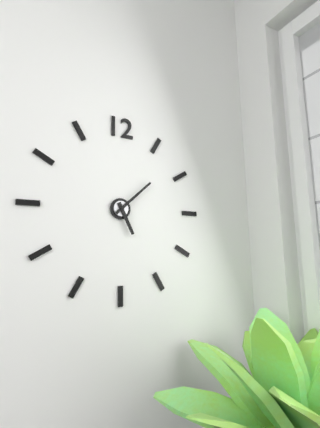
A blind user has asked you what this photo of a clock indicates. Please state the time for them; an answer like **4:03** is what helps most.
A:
**5:08**
